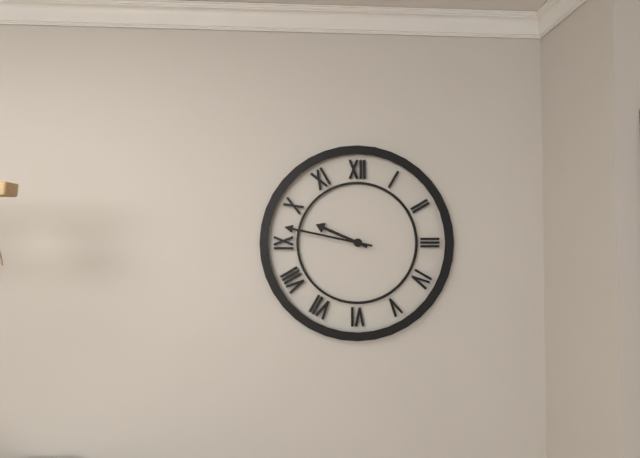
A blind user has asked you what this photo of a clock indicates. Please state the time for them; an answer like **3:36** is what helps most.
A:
**9:47**
